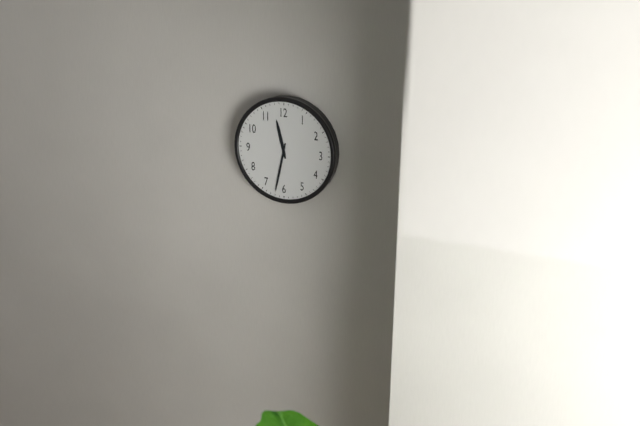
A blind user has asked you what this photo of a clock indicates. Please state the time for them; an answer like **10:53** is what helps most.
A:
**11:32**
